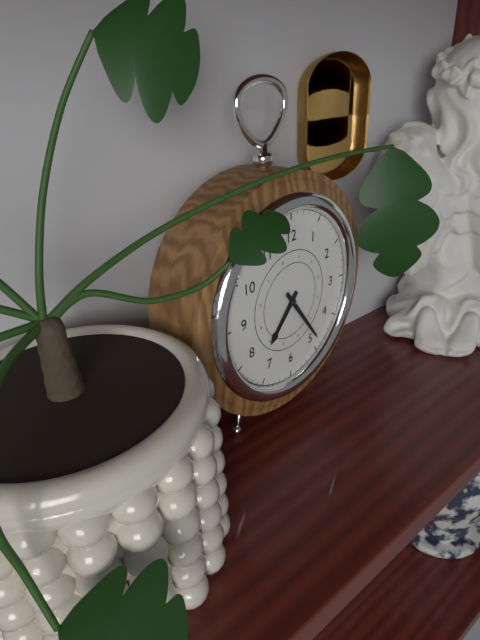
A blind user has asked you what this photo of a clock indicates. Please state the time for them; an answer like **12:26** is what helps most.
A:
**7:24**
